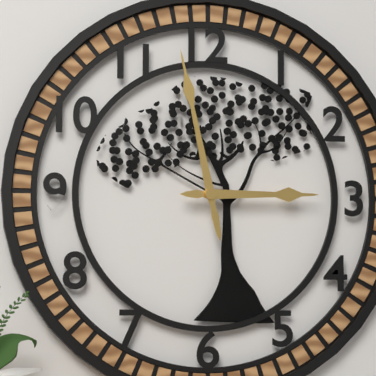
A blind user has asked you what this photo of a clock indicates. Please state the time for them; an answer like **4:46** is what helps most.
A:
**2:58**
